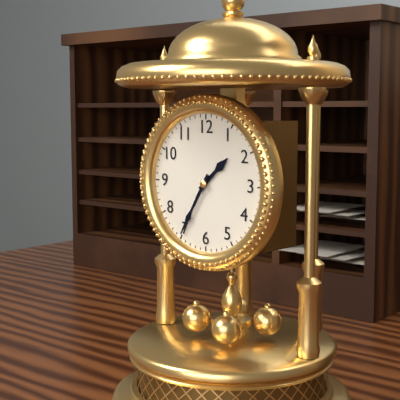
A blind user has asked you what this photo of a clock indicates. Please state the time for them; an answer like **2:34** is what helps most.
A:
**1:35**
